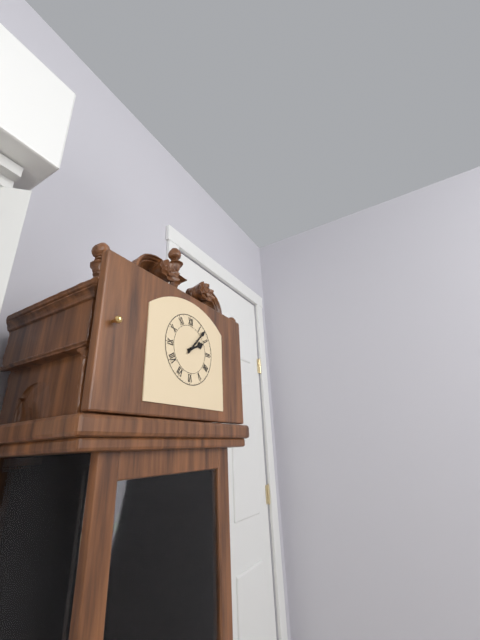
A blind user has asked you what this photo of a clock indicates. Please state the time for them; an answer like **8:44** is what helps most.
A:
**2:07**
